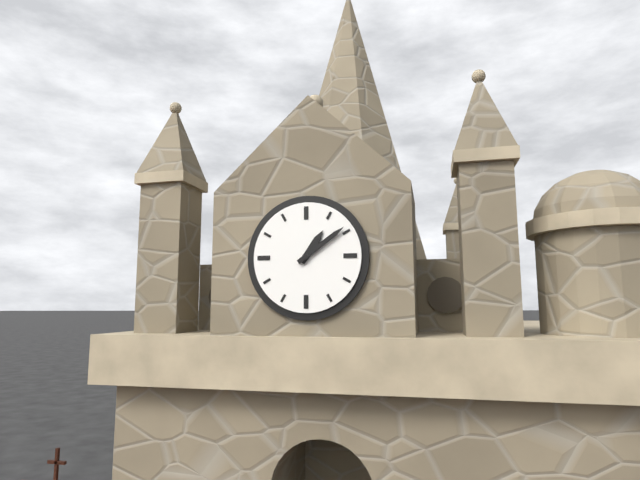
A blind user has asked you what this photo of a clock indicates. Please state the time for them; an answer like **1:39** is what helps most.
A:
**1:09**
